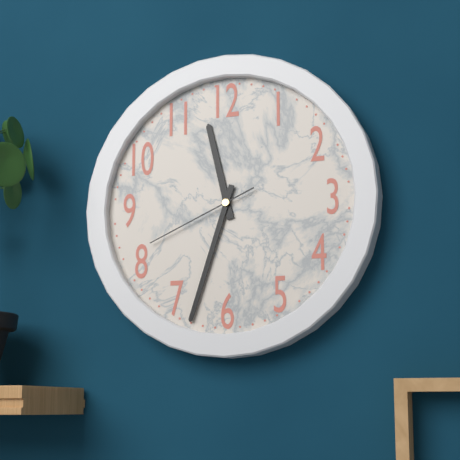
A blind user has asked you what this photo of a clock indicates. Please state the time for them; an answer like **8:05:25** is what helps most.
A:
**11:33:41**
